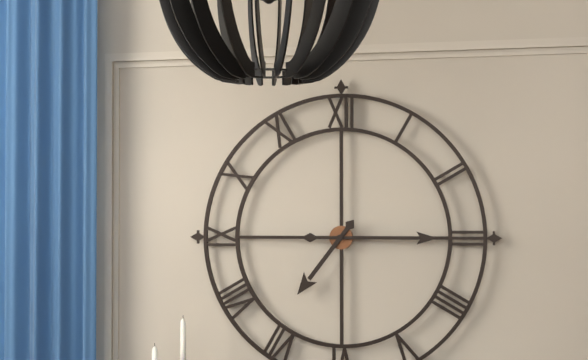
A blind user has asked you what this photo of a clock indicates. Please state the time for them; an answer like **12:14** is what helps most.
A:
**7:15**
